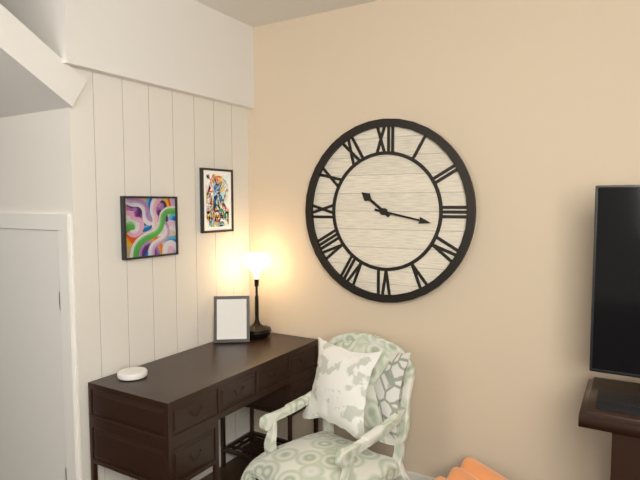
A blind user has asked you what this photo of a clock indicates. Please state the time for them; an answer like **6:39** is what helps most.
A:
**10:17**
